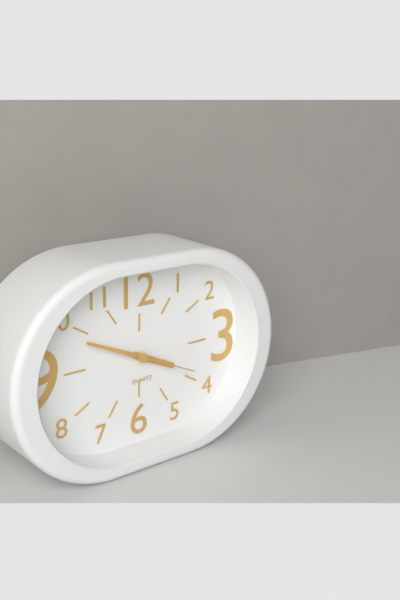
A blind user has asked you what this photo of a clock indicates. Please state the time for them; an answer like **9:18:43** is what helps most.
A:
**3:49:19**
